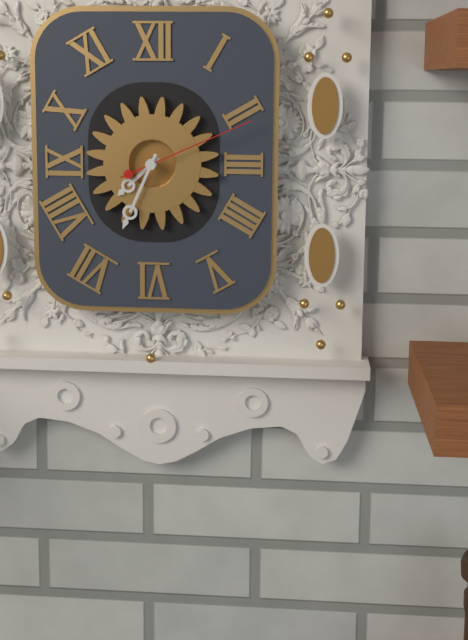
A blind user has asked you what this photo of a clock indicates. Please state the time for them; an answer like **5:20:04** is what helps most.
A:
**7:34:11**
